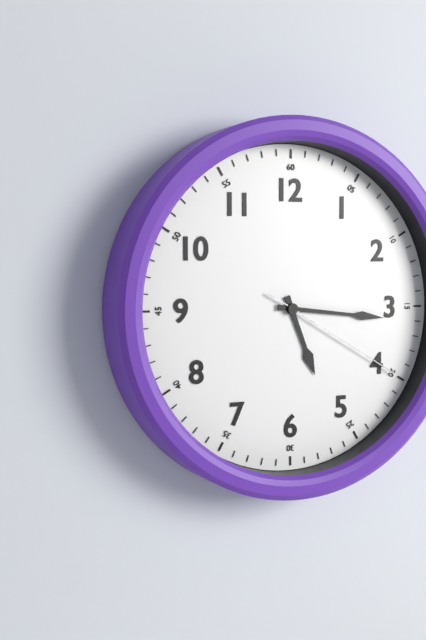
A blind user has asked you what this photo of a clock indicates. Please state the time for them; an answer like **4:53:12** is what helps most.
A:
**5:16:20**
